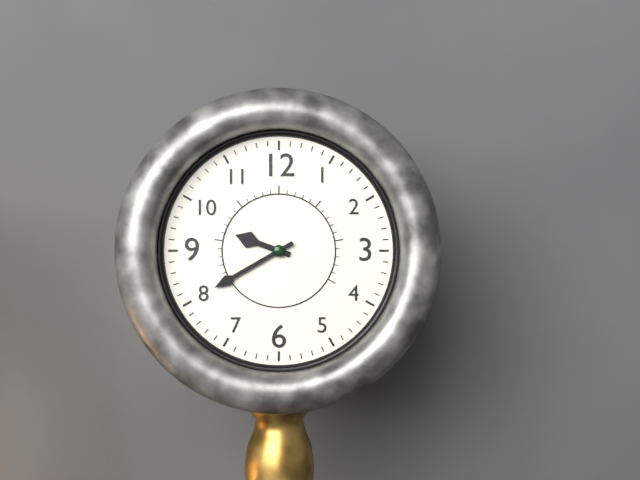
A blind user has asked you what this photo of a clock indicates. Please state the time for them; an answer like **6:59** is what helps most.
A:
**9:40**
